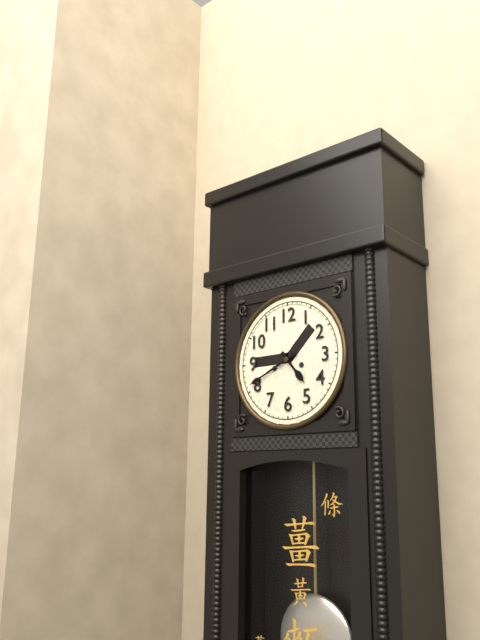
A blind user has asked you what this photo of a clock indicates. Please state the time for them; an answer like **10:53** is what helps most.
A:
**4:41**
